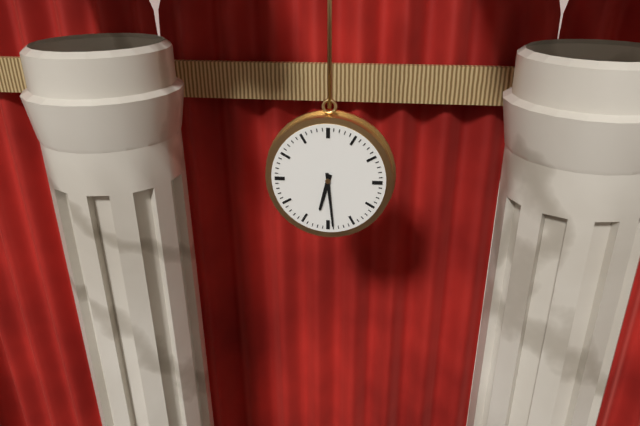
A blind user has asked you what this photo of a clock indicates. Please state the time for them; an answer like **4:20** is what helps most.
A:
**6:29**
